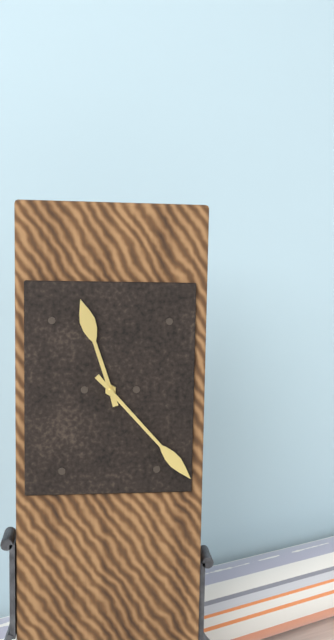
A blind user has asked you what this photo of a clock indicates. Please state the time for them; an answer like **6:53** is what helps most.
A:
**11:23**
